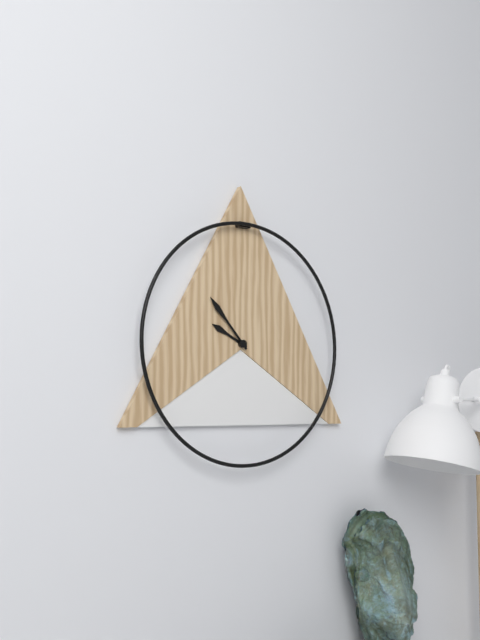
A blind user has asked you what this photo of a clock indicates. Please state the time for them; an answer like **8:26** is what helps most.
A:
**9:53**
